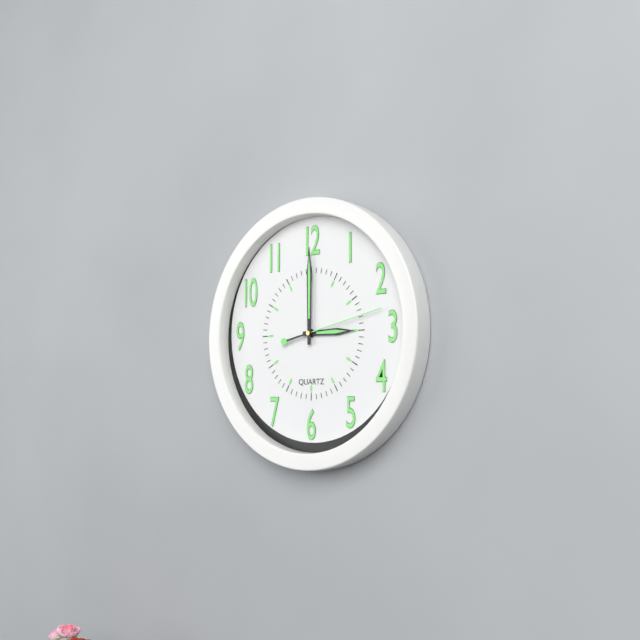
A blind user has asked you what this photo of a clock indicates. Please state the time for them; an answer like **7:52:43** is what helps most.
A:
**3:00:13**
